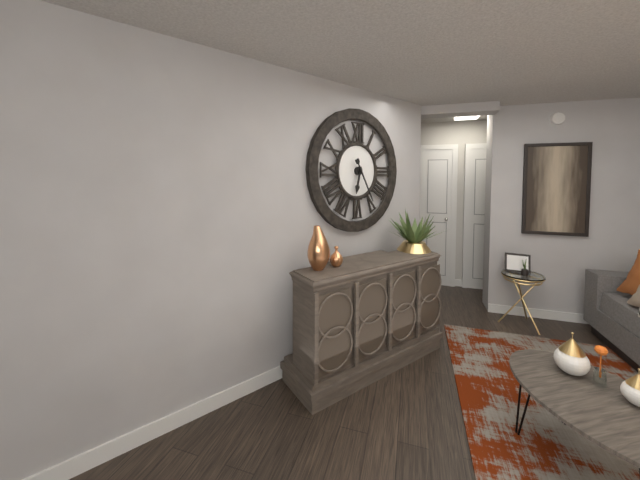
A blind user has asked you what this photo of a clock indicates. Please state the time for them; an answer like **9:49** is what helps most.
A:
**6:25**
